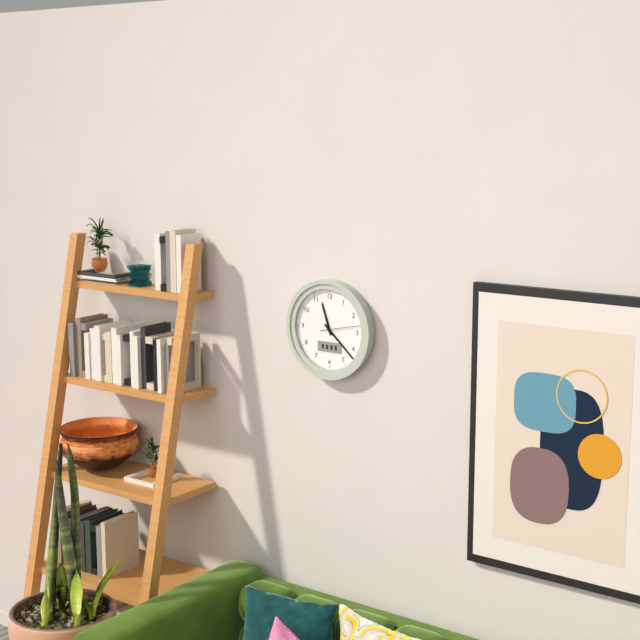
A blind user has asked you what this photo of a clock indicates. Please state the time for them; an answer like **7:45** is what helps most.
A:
**11:22**
